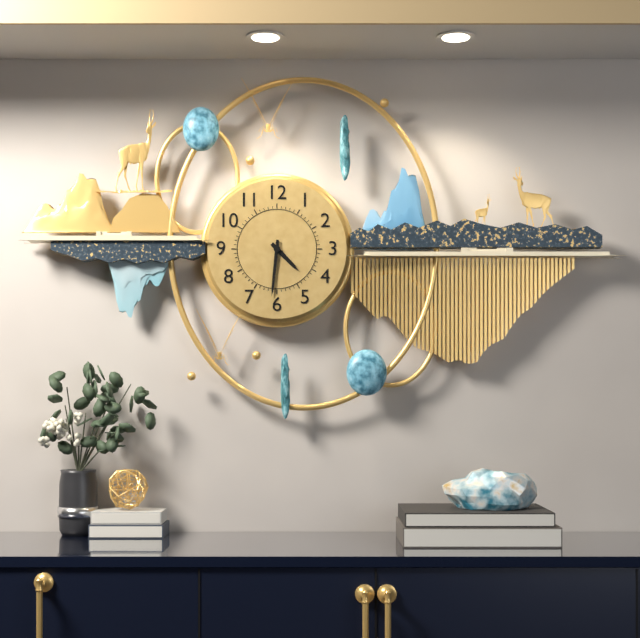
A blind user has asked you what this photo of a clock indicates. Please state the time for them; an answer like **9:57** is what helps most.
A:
**4:31**
